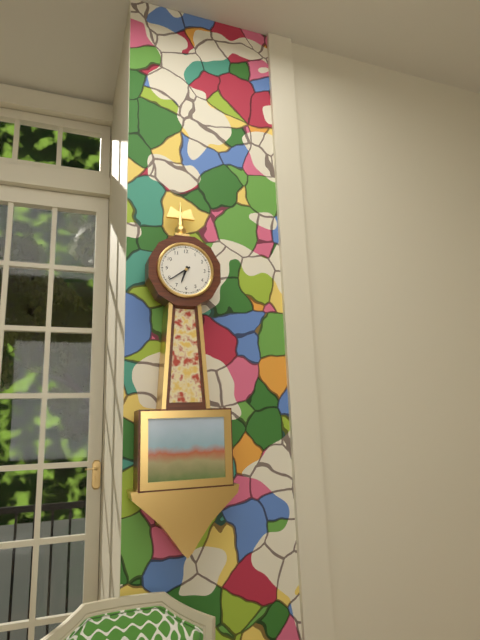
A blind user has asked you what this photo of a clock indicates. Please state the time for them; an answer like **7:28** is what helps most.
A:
**6:39**
